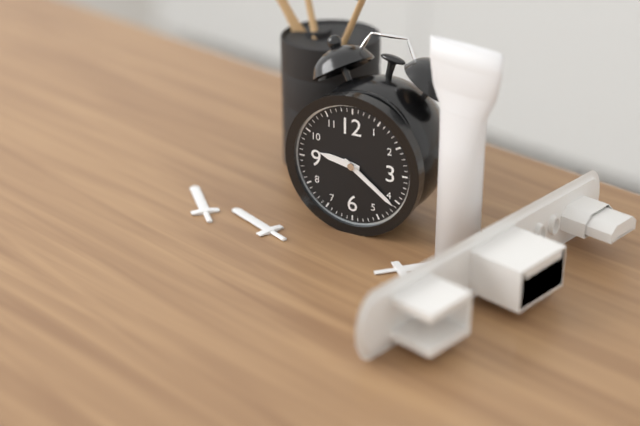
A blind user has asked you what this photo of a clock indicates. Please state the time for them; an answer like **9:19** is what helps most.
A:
**9:21**
